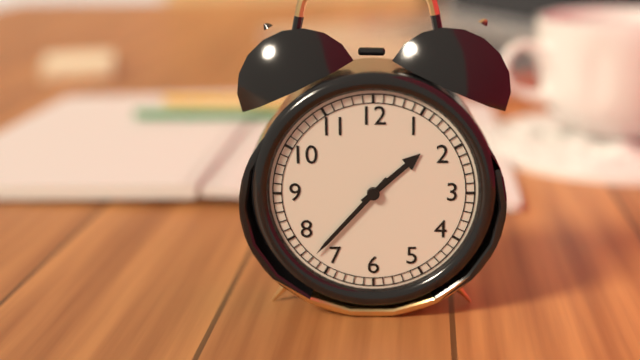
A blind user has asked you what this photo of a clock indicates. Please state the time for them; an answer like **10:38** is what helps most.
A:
**1:37**
